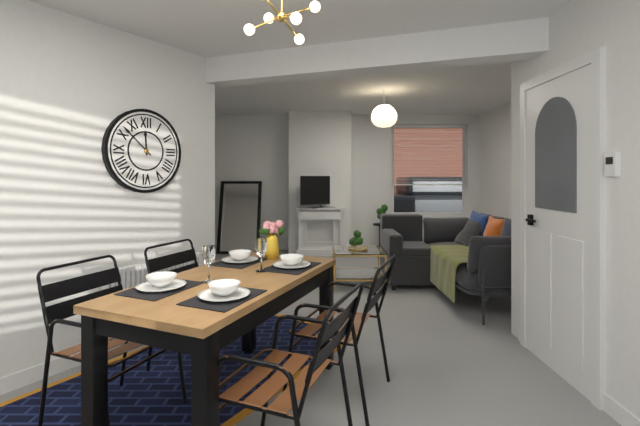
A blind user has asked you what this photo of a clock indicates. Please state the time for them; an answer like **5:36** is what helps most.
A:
**11:52**
